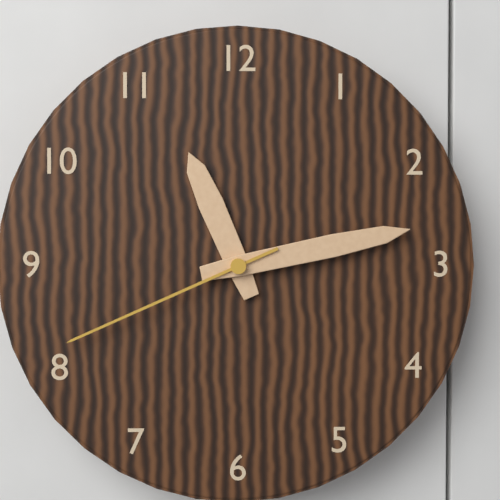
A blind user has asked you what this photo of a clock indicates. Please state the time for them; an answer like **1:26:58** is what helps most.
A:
**11:13:41**
